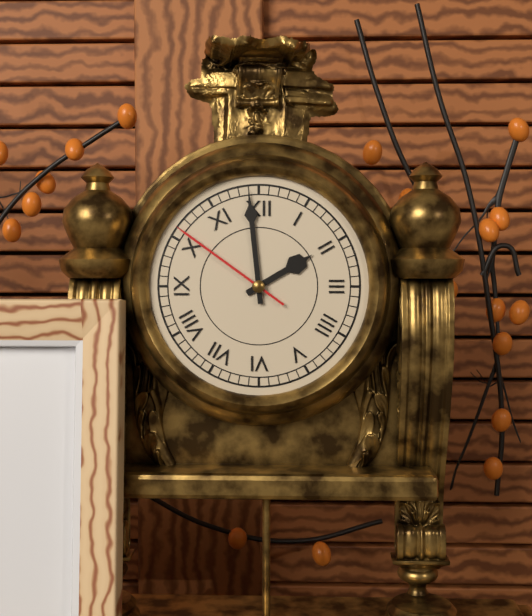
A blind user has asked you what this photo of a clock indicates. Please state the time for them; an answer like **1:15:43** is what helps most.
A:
**1:59:51**
